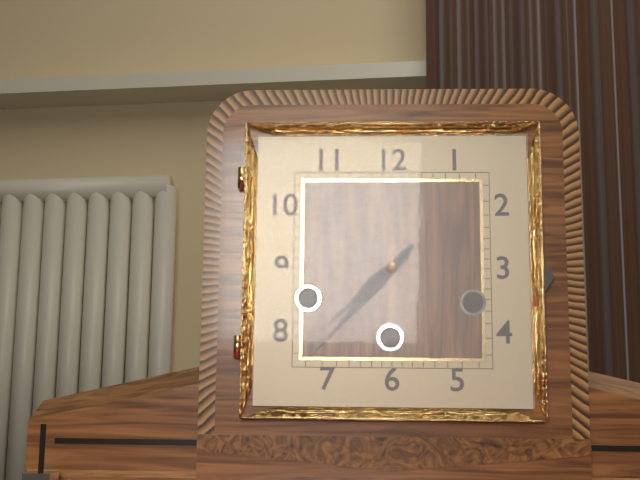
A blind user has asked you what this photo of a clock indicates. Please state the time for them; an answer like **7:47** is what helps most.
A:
**7:37**
